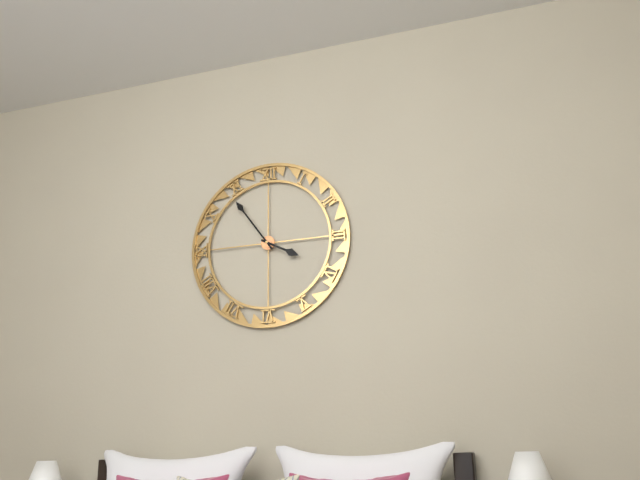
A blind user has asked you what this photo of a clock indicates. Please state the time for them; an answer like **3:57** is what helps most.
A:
**3:54**
